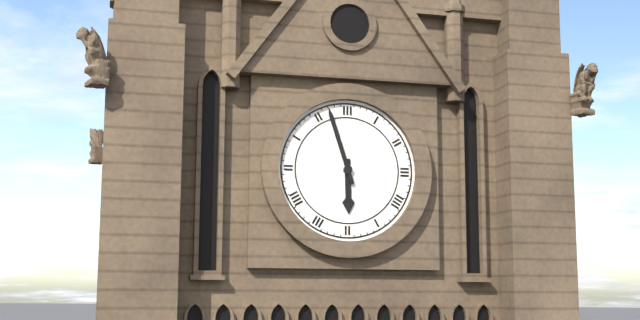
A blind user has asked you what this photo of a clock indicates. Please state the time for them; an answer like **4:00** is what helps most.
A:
**5:57**
